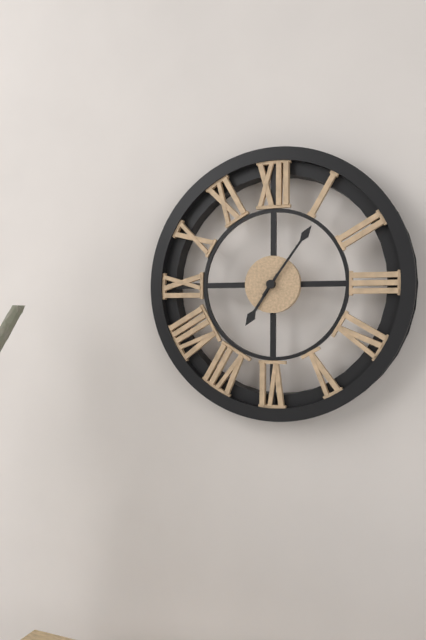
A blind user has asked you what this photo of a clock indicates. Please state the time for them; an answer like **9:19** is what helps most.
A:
**7:06**
